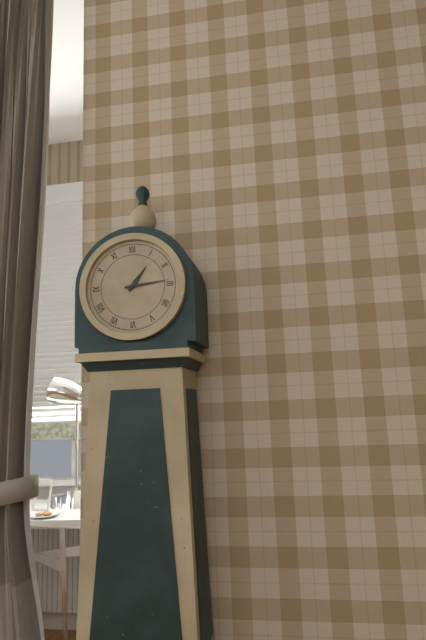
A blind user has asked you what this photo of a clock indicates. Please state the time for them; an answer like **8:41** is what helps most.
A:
**1:14**
